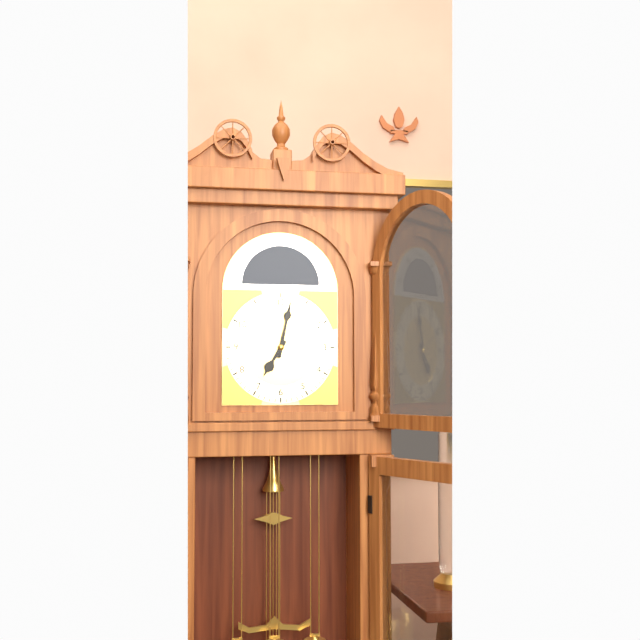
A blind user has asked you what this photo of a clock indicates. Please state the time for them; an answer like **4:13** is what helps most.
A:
**7:02**
